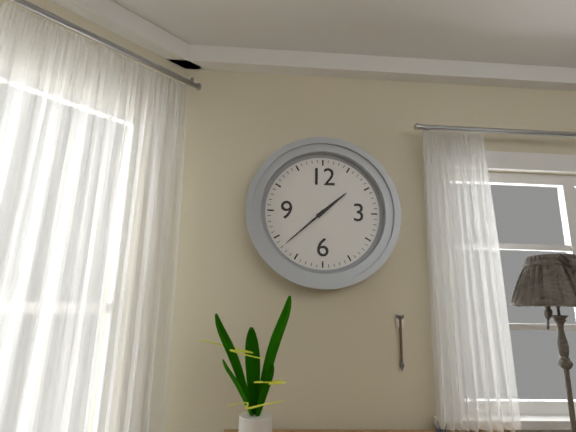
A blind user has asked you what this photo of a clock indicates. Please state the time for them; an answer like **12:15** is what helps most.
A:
**1:38**
